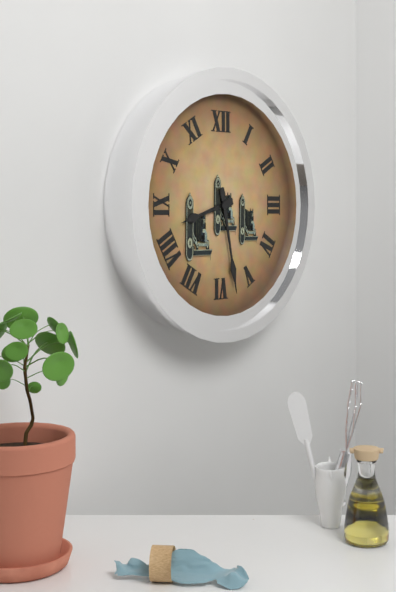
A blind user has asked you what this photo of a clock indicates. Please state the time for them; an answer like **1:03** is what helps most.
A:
**8:28**
